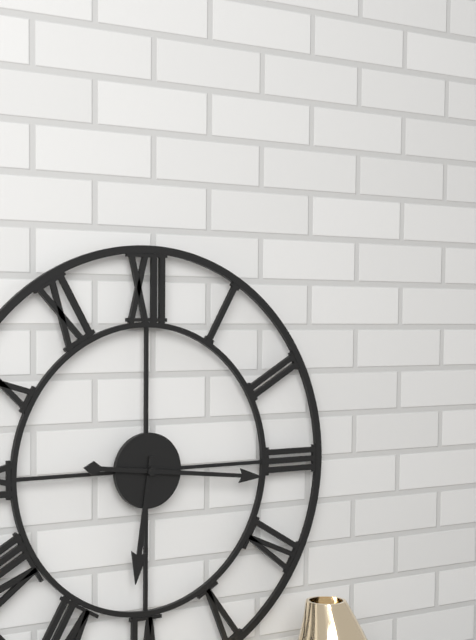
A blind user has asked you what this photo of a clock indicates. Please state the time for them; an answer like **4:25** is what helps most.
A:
**6:16**
